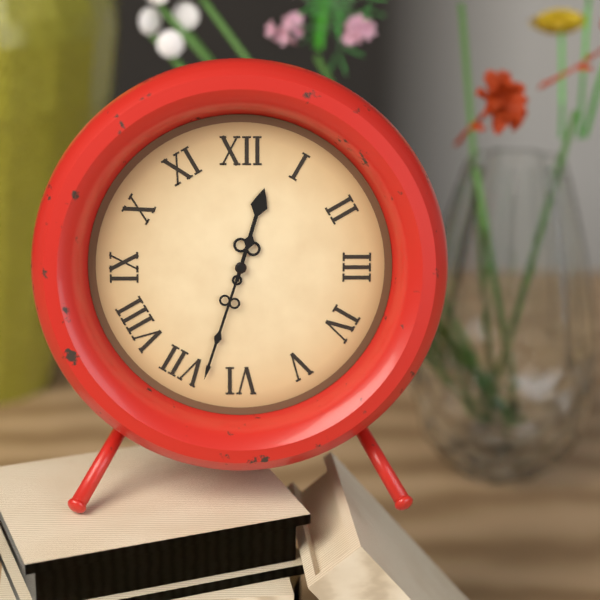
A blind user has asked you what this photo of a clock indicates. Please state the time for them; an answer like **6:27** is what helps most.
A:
**12:33**
